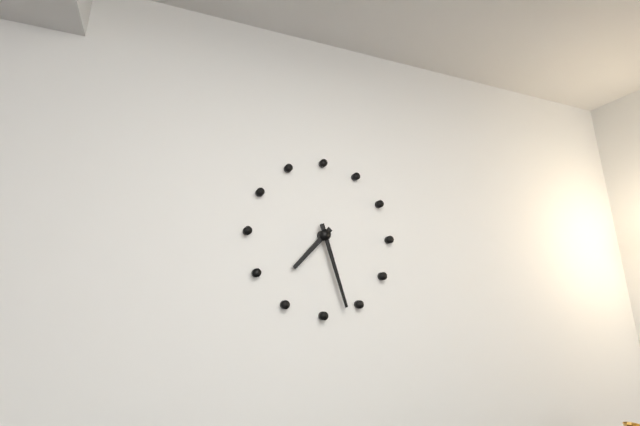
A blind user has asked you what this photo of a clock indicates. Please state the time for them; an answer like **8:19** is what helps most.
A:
**7:27**
